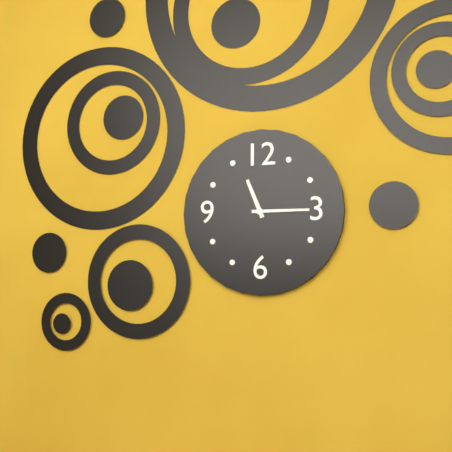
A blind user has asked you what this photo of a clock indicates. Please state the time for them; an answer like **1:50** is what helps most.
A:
**11:15**
